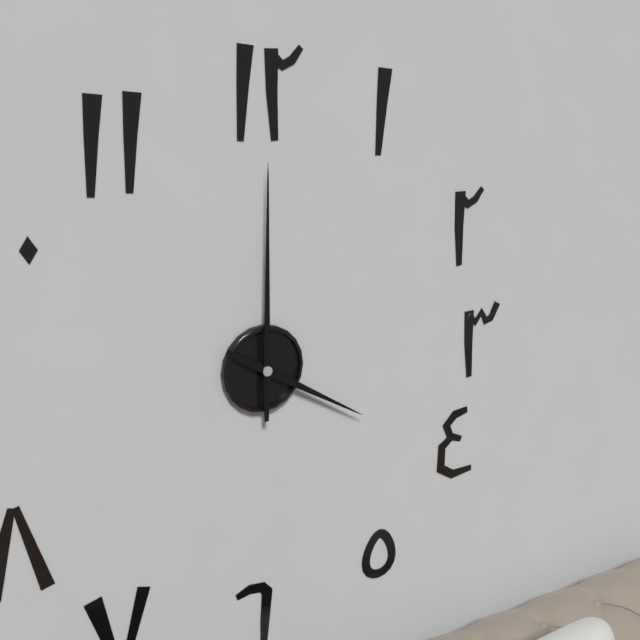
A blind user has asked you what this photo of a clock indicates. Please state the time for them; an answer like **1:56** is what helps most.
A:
**4:00**
